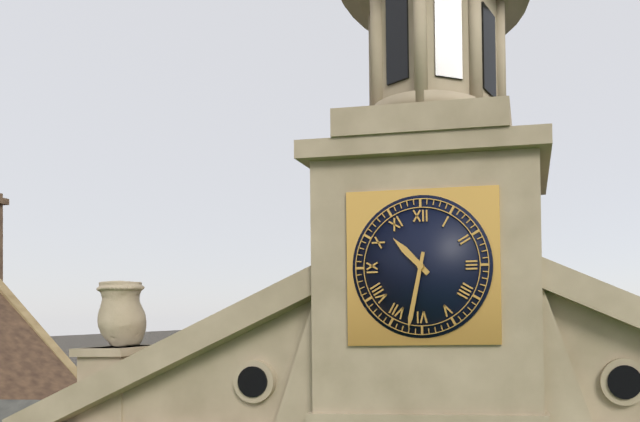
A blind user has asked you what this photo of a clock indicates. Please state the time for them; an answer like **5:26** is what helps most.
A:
**10:32**
